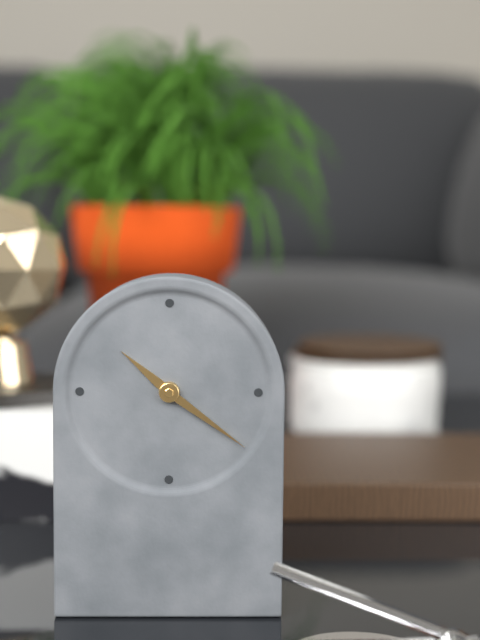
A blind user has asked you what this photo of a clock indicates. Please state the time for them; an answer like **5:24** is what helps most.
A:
**10:21**
